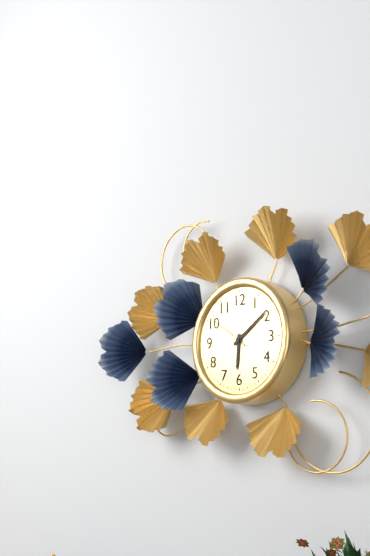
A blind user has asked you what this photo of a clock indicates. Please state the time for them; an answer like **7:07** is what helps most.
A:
**6:09**
